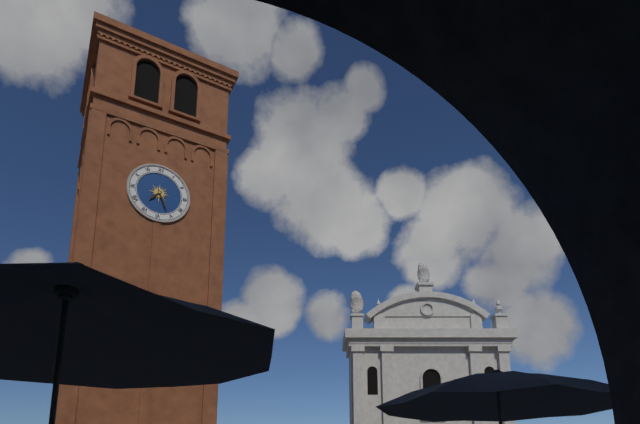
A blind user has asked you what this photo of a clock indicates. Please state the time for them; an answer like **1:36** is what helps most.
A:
**7:26**
